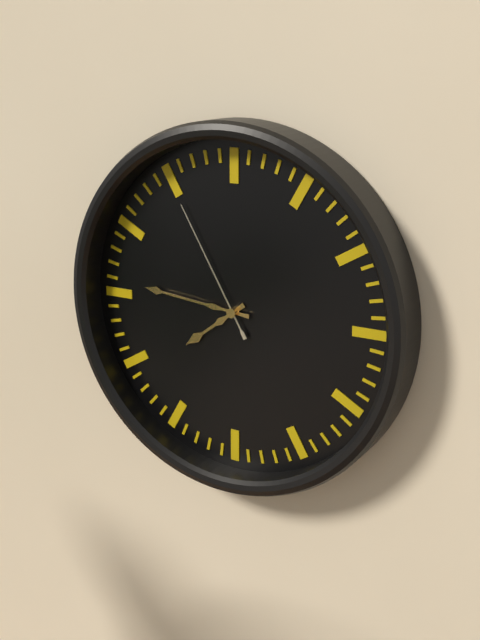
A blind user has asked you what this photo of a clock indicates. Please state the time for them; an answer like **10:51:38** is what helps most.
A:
**7:46:55**
